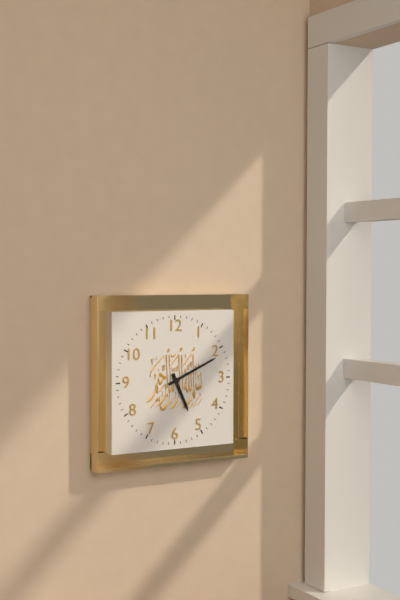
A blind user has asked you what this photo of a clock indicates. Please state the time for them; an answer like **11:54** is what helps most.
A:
**5:11**
